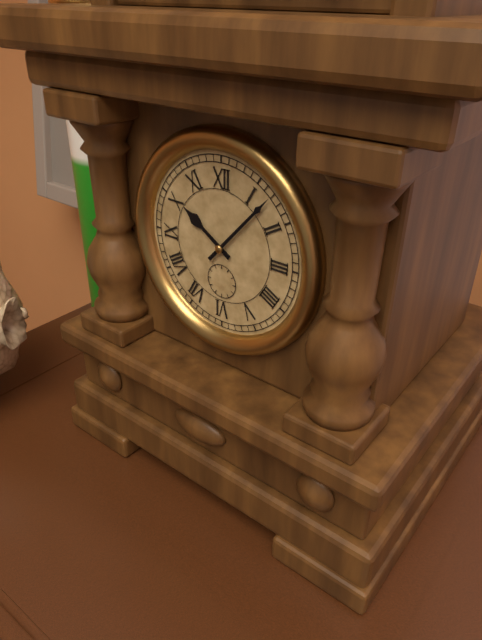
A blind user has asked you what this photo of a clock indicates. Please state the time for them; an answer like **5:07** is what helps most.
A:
**10:07**
